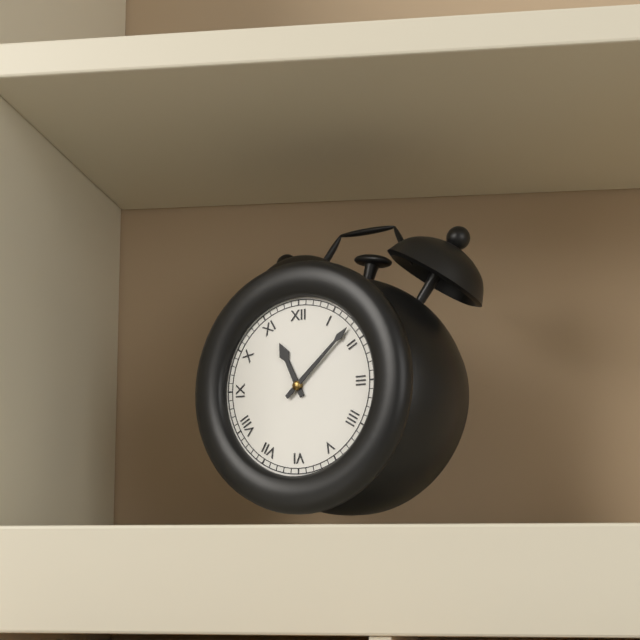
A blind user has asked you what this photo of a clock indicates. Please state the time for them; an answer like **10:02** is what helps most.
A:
**11:08**
